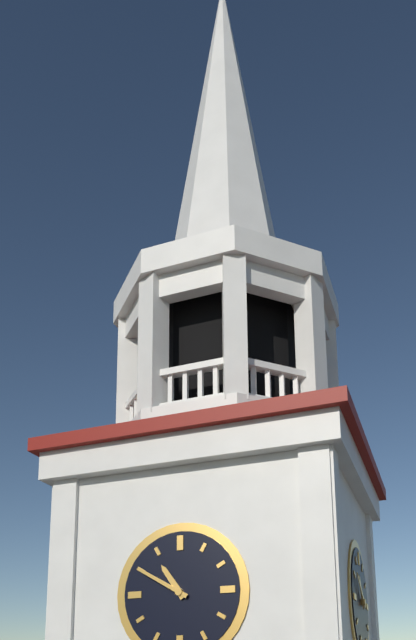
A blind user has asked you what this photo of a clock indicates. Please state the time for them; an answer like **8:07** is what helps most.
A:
**10:50**
